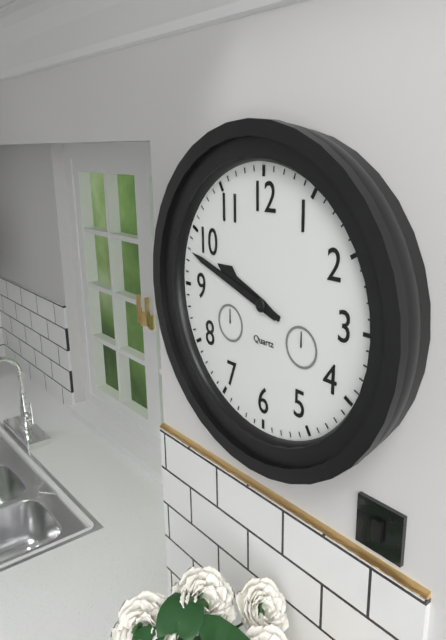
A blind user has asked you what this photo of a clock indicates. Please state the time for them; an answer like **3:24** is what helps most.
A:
**9:48**
